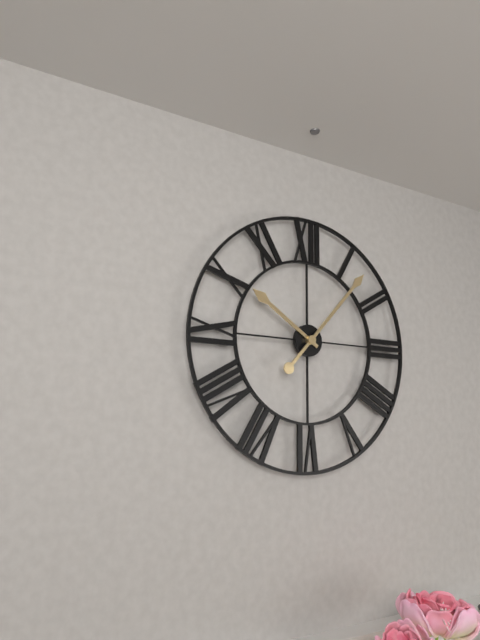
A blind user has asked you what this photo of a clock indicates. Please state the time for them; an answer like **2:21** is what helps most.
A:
**10:07**
